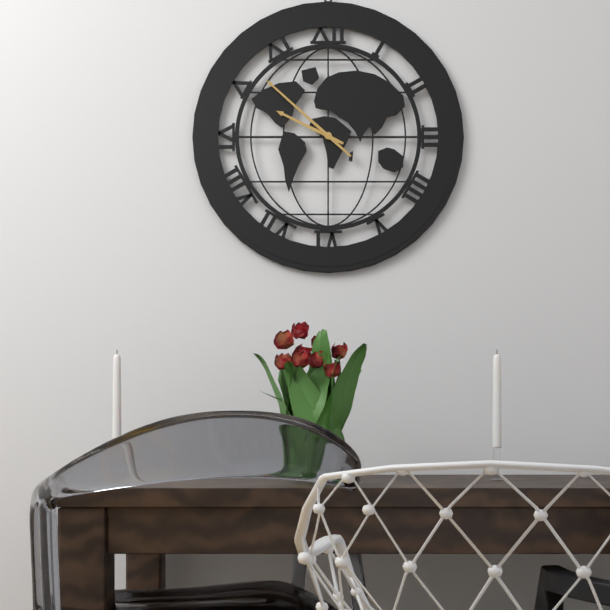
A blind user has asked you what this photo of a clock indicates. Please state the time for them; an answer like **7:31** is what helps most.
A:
**9:52**
